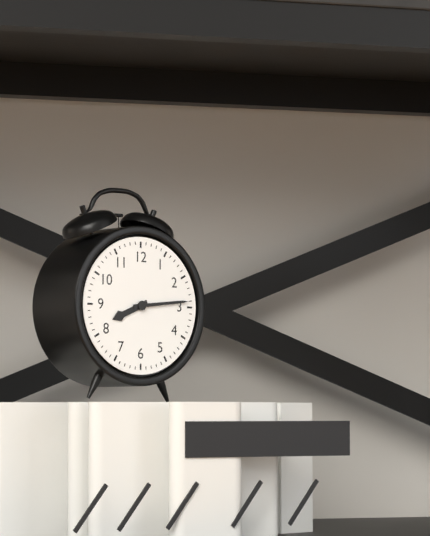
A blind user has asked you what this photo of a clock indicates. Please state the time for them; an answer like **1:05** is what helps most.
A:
**8:14**
